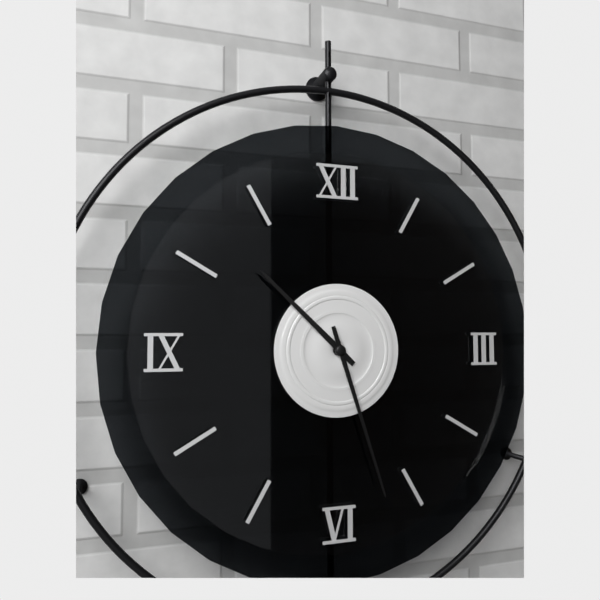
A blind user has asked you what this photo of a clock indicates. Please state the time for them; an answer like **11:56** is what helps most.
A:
**10:27**
